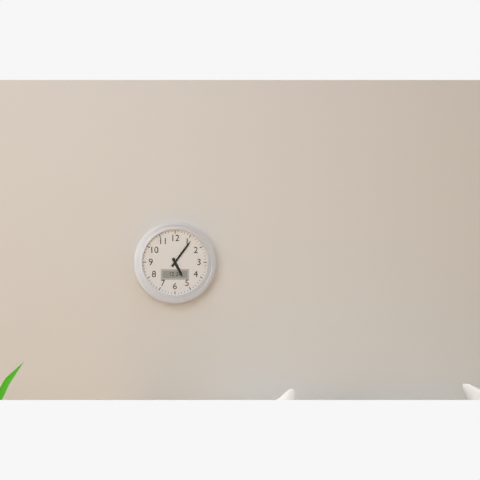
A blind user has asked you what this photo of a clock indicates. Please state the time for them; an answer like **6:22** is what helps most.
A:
**5:06**
